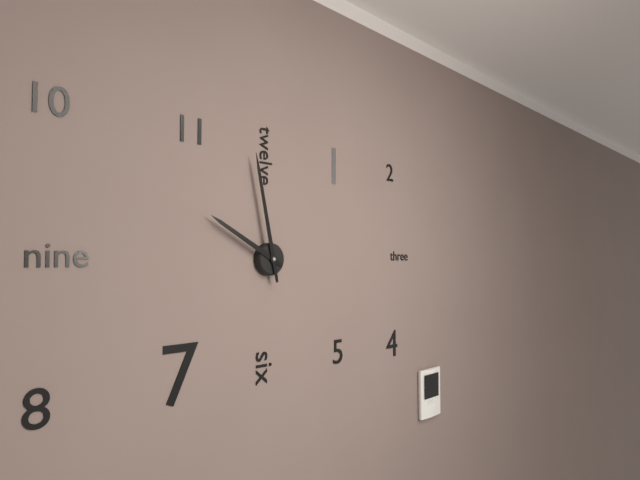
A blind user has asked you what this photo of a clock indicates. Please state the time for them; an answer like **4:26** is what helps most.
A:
**9:58**
